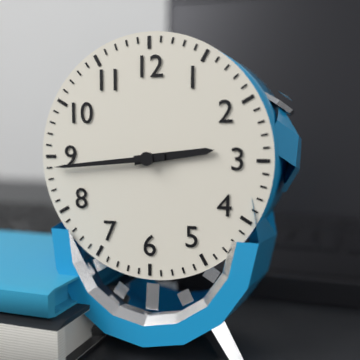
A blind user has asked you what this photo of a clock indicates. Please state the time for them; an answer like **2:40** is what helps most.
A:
**2:44**
